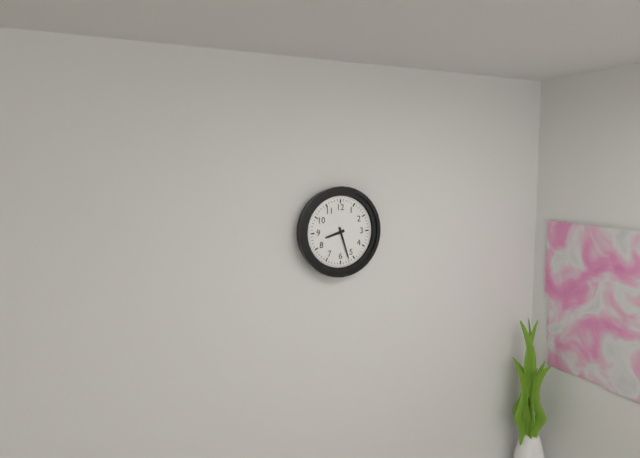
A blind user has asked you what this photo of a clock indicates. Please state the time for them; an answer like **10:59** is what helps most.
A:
**8:27**
